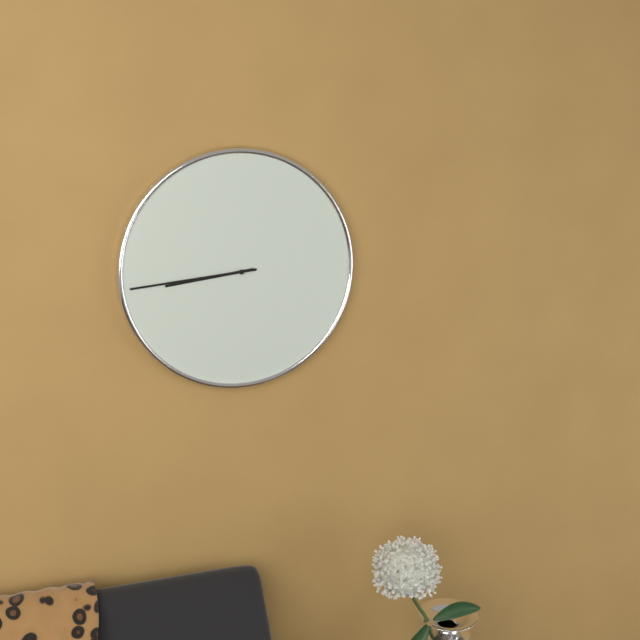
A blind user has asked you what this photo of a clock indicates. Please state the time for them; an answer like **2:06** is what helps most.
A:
**8:44**
